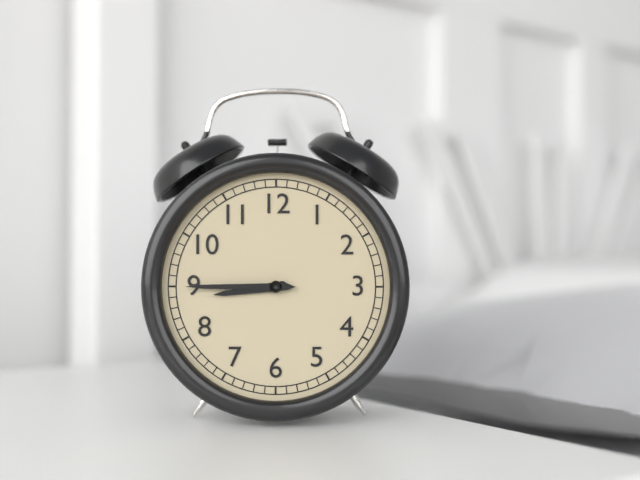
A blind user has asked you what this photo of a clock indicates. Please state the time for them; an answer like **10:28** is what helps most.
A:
**8:45**
